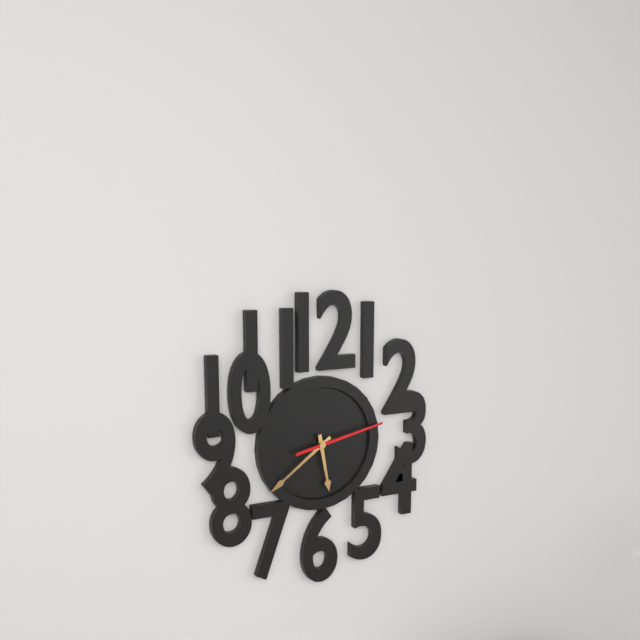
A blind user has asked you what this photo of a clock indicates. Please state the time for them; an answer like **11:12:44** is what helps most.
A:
**5:39:13**
